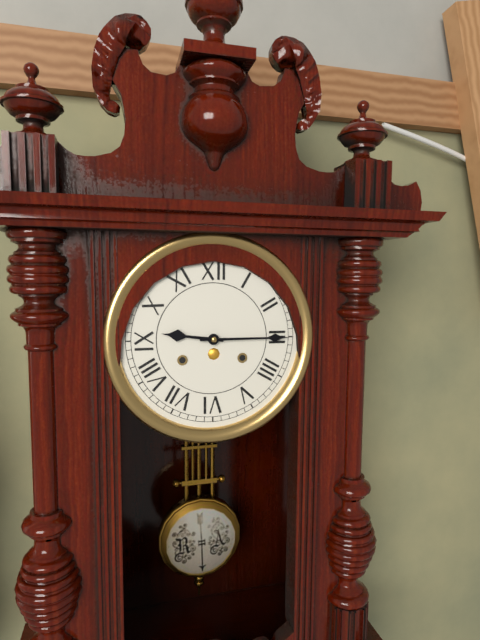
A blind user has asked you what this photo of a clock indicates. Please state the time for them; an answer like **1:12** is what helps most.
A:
**9:15**
